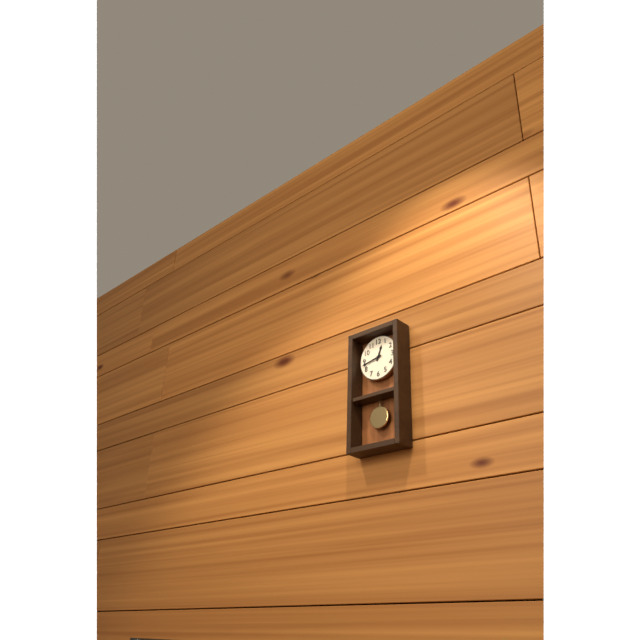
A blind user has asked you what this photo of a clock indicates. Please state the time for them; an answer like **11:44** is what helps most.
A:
**12:43**
